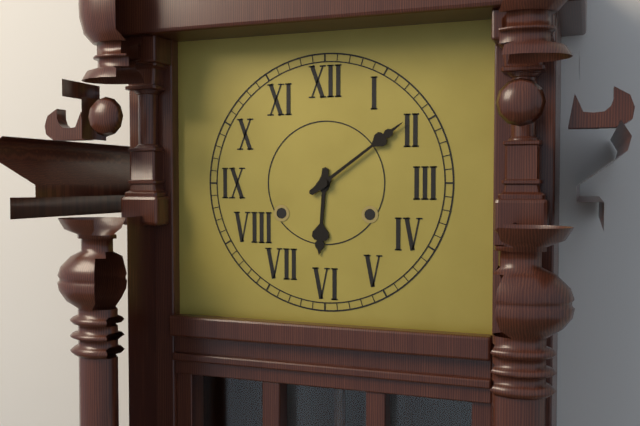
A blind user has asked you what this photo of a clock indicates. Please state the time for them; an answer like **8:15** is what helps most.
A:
**6:09**
